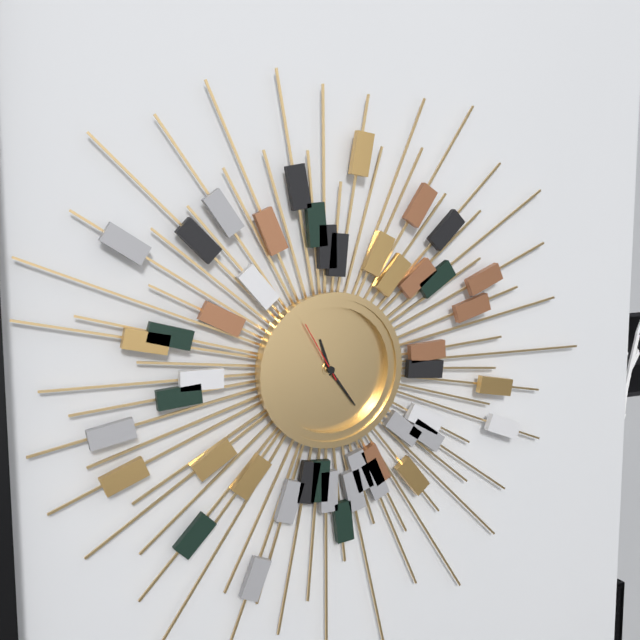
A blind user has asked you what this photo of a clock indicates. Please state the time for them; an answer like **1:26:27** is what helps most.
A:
**11:24:55**
